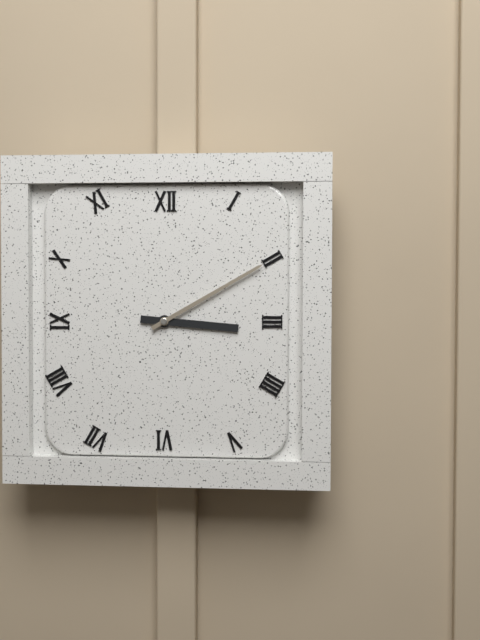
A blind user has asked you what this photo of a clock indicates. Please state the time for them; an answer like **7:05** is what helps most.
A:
**3:10**
